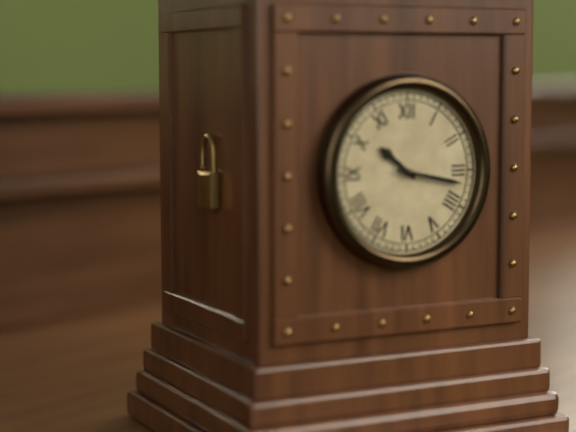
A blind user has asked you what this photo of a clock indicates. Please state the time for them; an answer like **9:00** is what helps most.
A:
**10:17**
